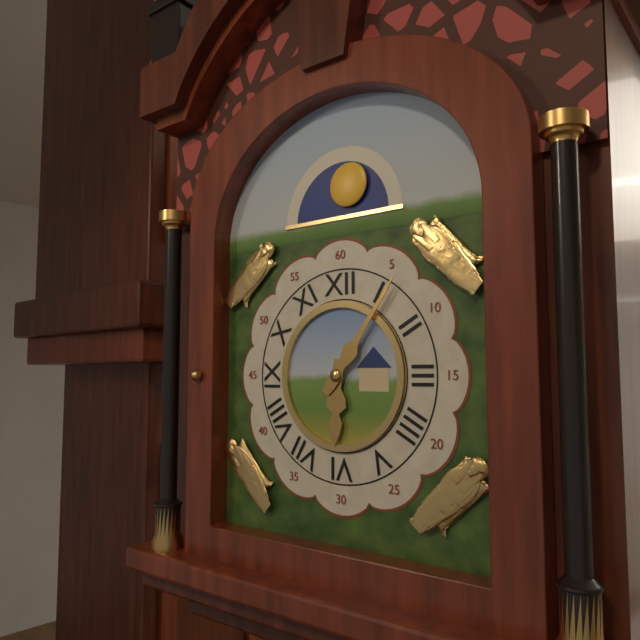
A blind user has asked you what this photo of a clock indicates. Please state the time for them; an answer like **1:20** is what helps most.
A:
**6:06**
